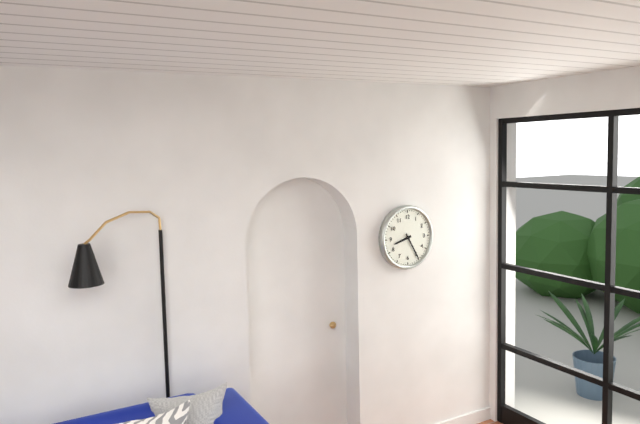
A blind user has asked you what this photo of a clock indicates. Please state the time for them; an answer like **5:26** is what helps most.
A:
**8:25**
